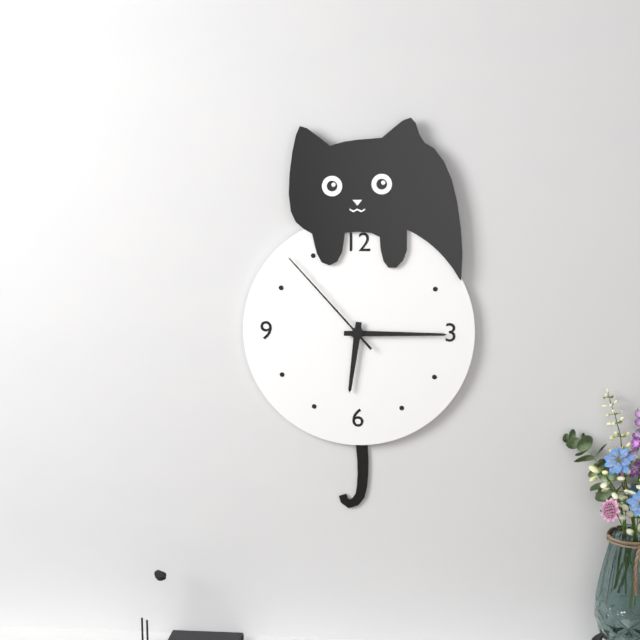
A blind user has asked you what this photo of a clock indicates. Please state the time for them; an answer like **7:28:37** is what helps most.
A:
**6:15:53**
